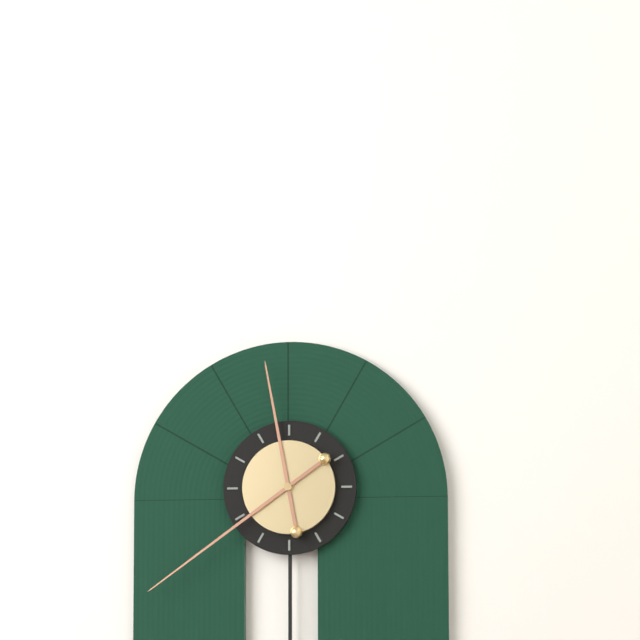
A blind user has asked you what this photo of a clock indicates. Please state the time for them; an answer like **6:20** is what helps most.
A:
**11:39**
